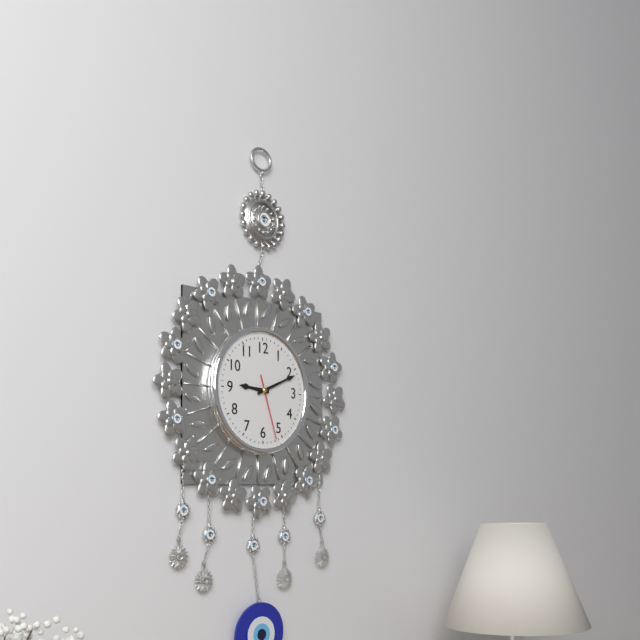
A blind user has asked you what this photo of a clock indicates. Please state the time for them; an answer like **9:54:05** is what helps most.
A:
**9:11:27**
